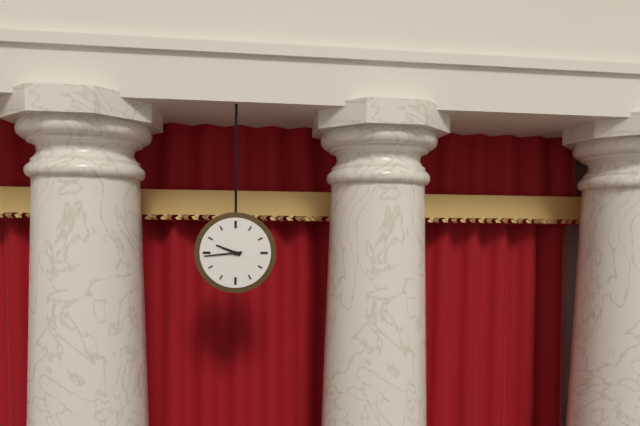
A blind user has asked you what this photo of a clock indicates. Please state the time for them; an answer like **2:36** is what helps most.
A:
**9:44**
